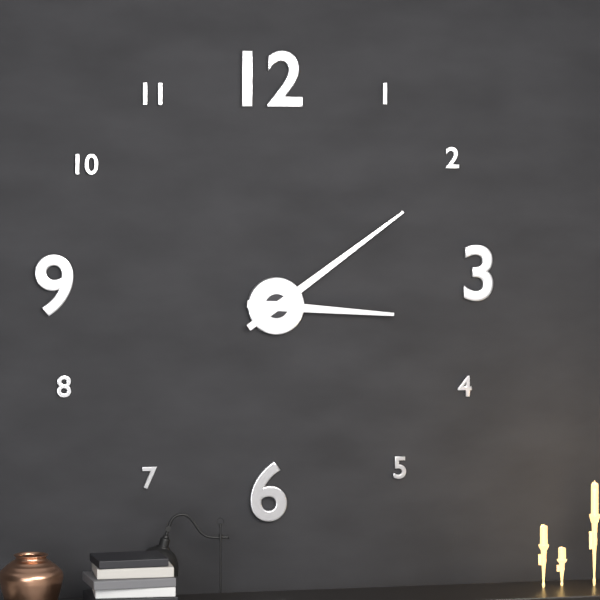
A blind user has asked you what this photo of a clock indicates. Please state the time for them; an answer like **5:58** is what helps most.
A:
**3:09**
